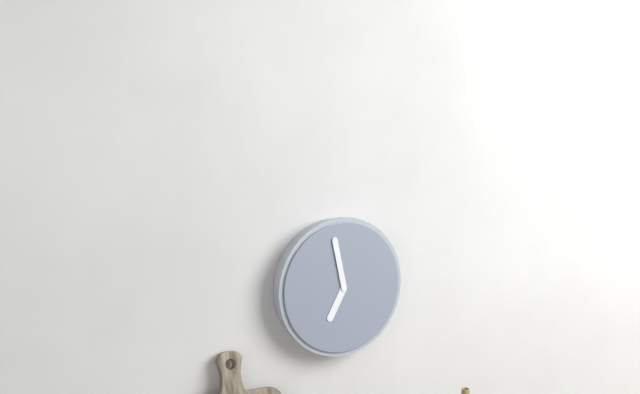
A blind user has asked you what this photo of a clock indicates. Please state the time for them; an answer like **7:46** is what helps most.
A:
**6:58**
